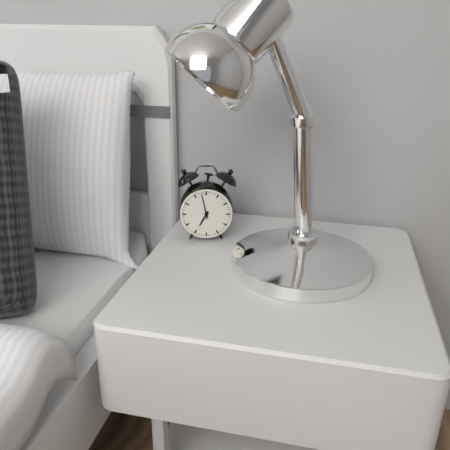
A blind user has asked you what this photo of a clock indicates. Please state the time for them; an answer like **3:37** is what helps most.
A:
**6:58**
